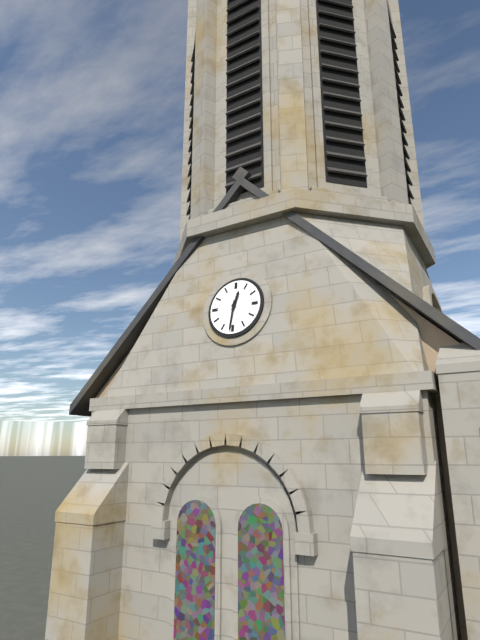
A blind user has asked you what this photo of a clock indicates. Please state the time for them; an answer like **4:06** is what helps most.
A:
**12:31**
